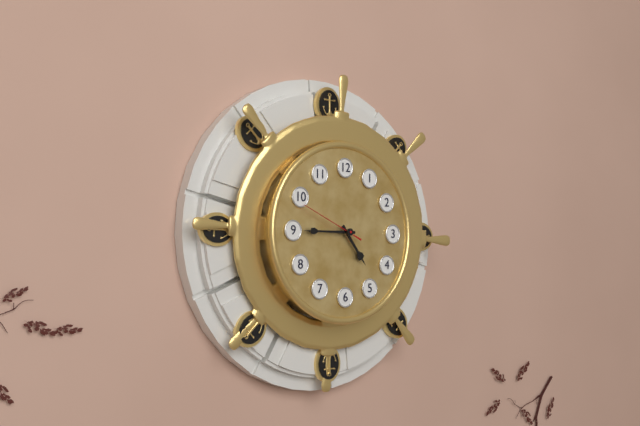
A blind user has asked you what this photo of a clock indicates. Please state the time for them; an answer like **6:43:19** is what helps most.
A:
**4:45:49**
